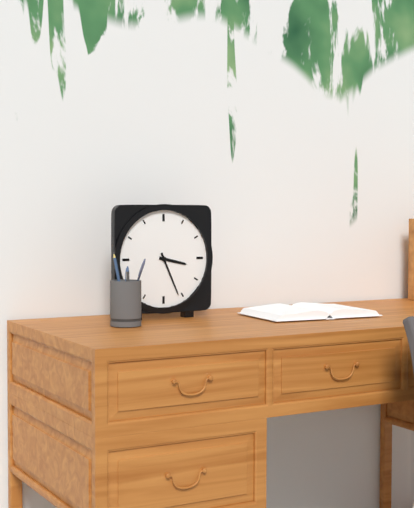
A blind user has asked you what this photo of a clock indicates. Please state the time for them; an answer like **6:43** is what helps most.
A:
**3:26**
